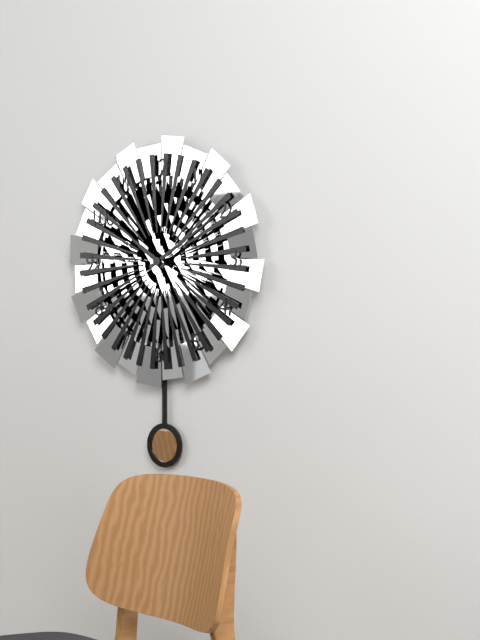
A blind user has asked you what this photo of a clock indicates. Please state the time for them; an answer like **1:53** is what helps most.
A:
**10:10**
